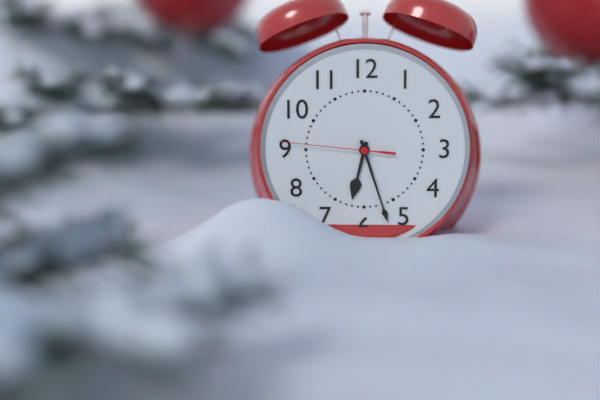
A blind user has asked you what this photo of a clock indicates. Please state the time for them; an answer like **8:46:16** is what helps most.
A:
**6:27:46**
